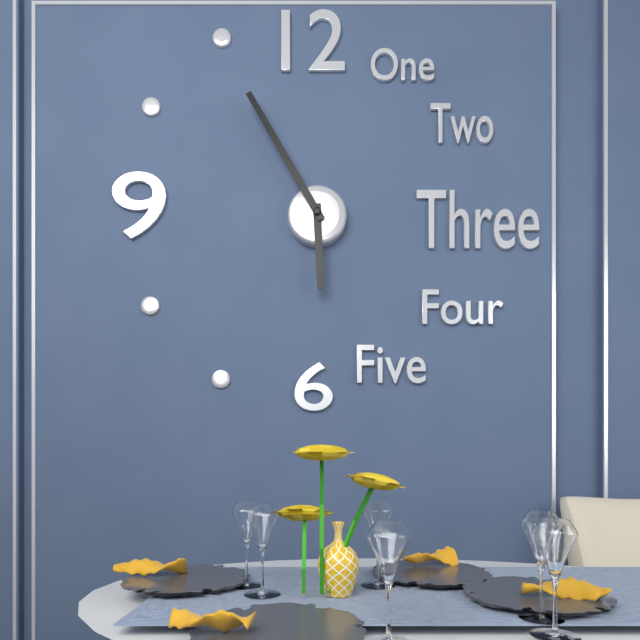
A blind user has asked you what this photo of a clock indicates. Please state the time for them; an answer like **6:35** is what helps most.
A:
**5:55**
